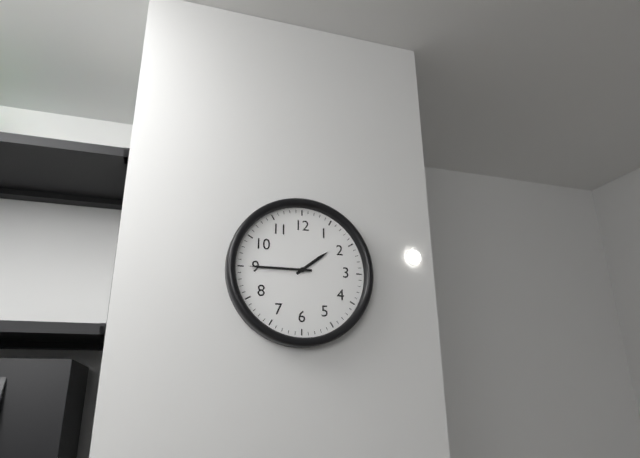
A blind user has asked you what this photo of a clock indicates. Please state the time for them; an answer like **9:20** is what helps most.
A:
**1:45**
